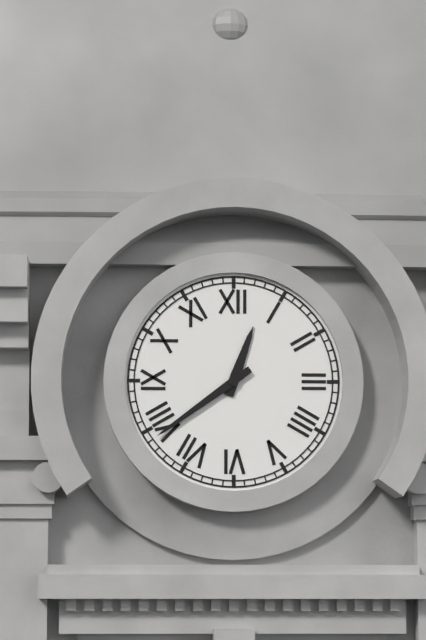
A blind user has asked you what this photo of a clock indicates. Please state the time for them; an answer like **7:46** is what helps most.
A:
**12:39**
